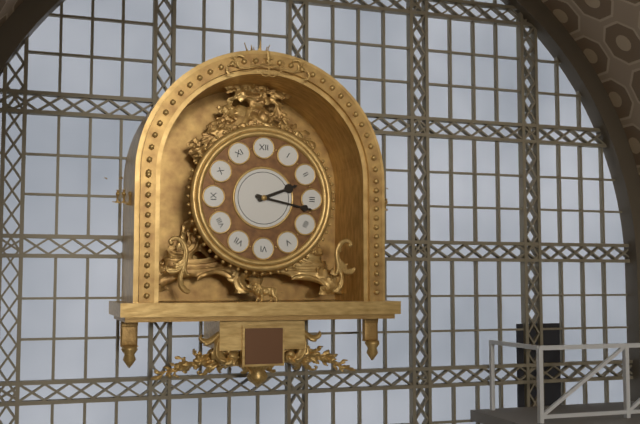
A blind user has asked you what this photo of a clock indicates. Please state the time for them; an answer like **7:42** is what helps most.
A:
**2:17**
